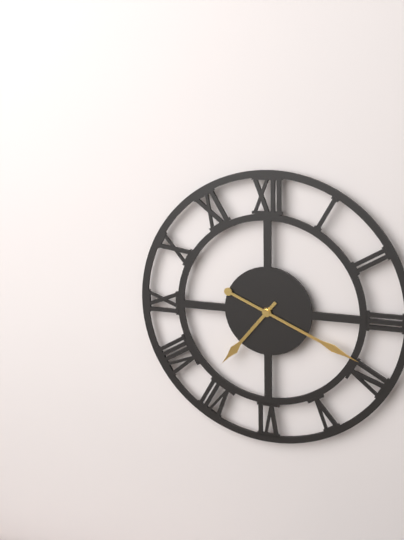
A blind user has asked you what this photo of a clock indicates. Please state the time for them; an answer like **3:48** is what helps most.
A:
**7:19**
